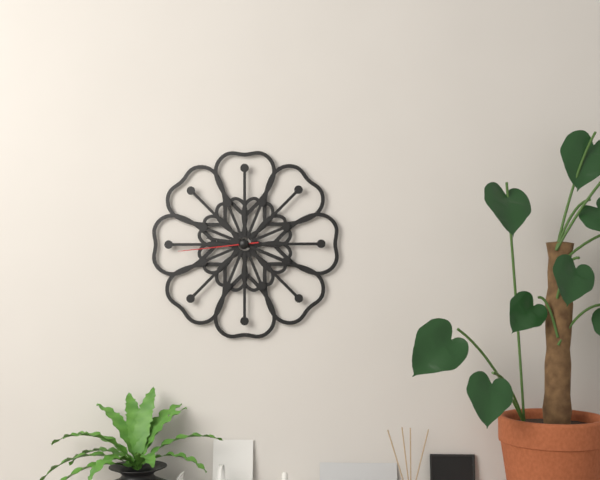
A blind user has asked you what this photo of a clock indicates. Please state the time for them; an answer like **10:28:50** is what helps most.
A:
**9:19:44**
